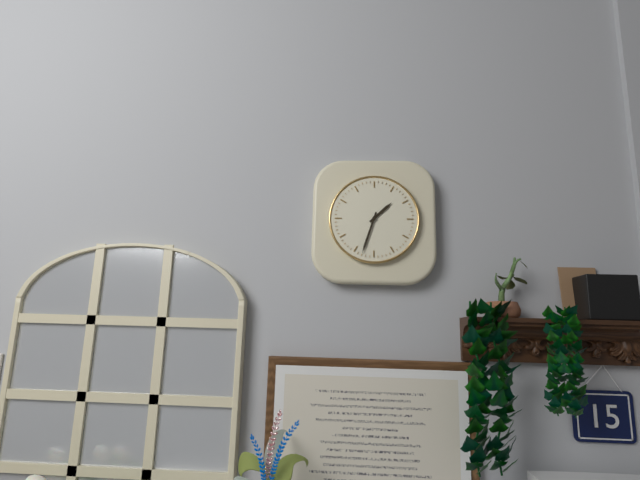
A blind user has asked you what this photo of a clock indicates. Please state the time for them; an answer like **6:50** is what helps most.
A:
**1:33**
